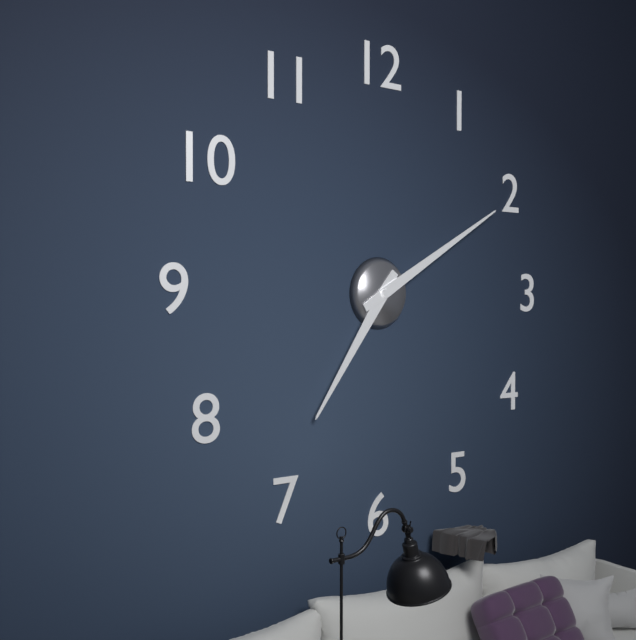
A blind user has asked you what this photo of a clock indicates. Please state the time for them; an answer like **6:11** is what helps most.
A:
**7:10**
